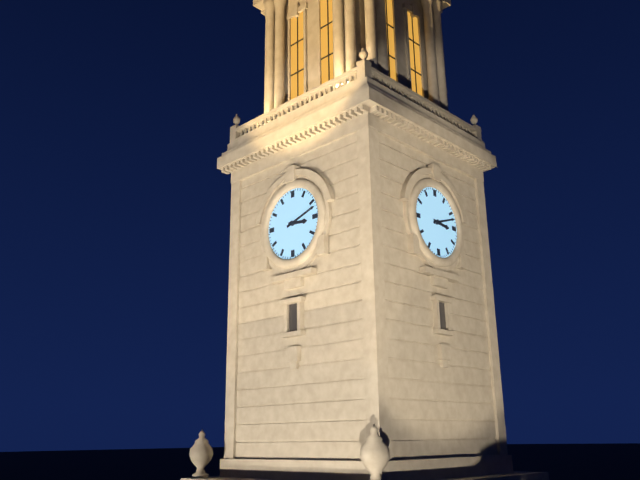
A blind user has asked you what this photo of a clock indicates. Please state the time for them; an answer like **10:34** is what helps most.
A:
**3:12**
